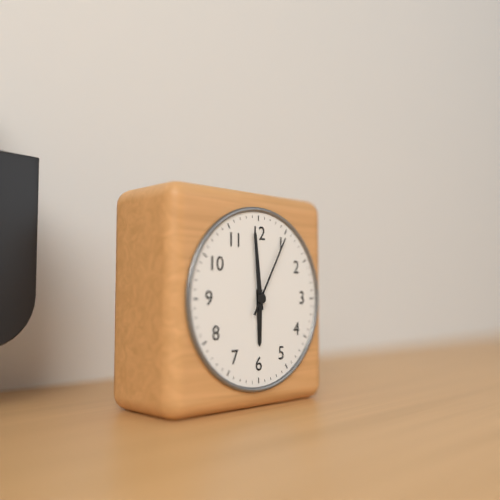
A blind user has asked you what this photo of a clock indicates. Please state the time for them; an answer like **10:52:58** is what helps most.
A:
**5:59:05**
